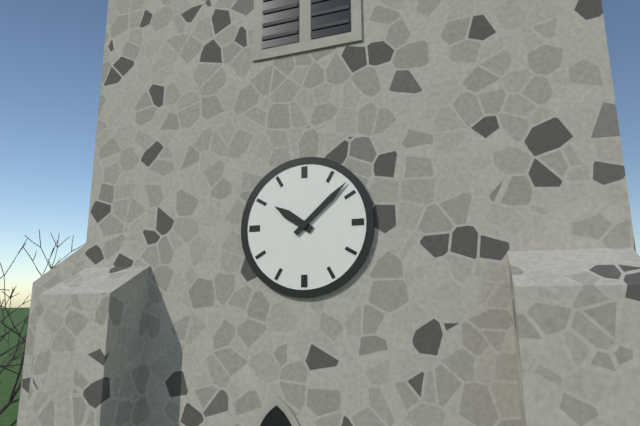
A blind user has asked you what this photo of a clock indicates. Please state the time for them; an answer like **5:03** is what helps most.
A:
**10:08**
